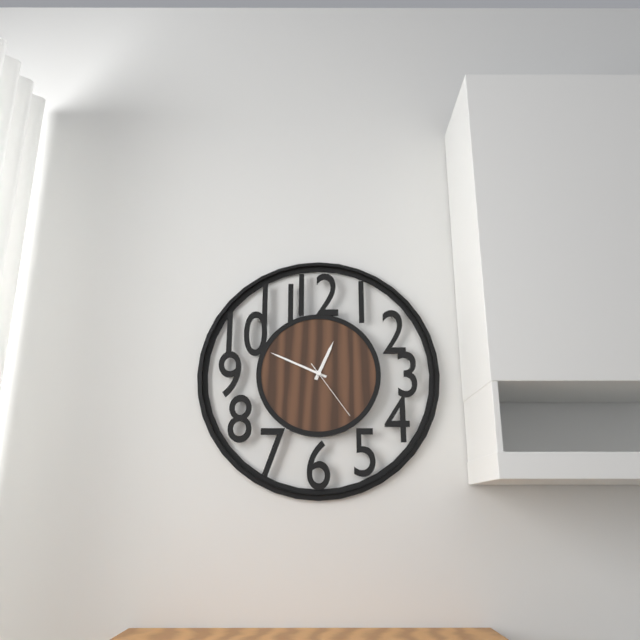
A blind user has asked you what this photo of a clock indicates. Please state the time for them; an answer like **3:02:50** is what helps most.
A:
**12:49:24**
